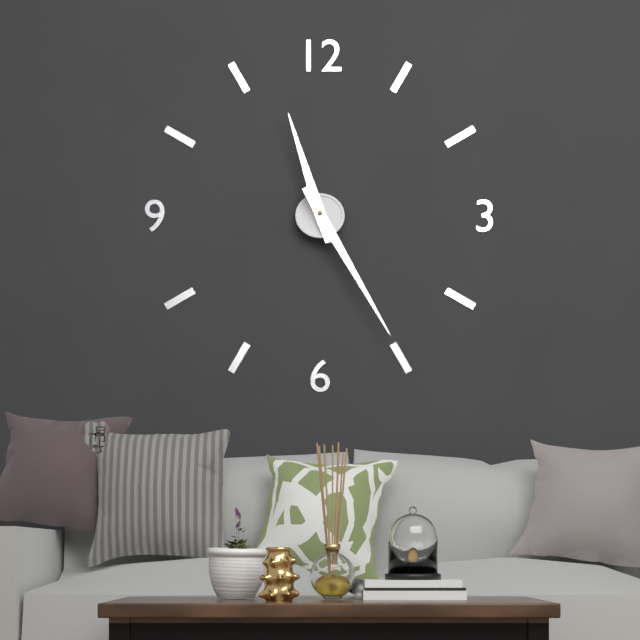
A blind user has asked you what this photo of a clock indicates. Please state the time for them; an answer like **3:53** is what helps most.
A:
**11:25**
